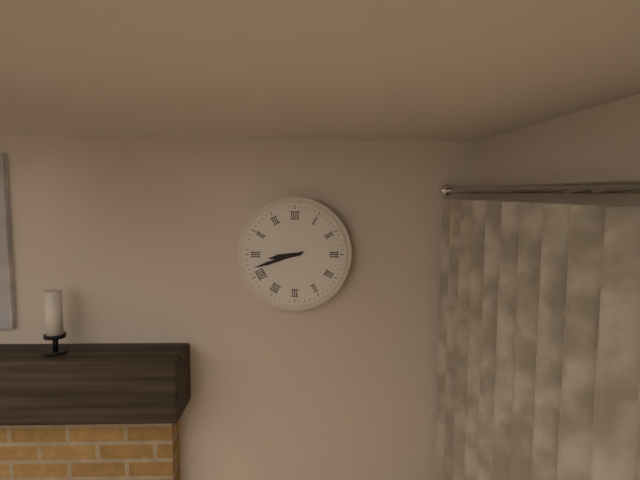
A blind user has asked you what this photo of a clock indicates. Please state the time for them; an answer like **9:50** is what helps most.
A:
**8:42**
